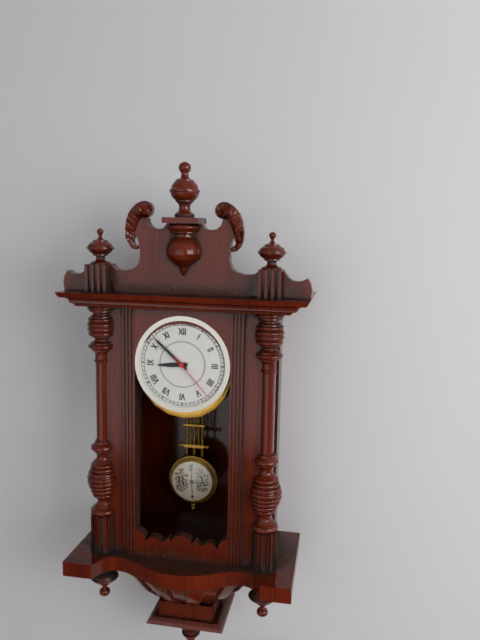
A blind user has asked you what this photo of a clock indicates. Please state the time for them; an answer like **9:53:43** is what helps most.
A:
**8:52:23**
